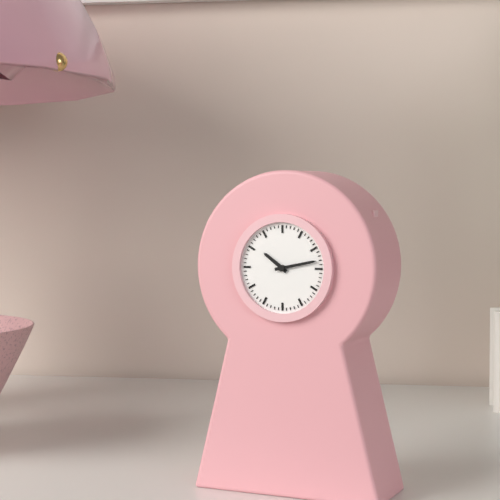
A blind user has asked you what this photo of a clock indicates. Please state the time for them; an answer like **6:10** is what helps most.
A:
**10:13**
